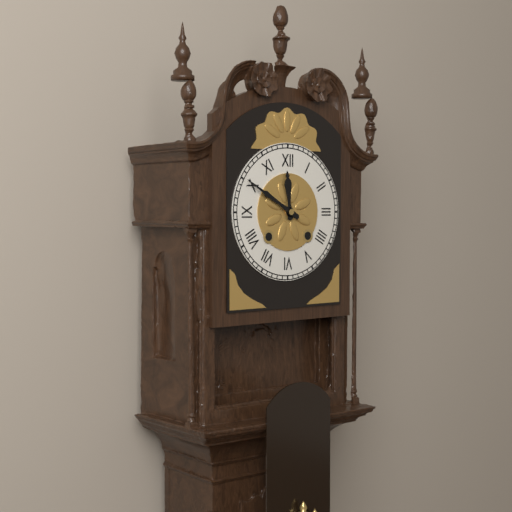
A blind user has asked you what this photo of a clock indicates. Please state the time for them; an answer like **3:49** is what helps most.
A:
**11:50**
